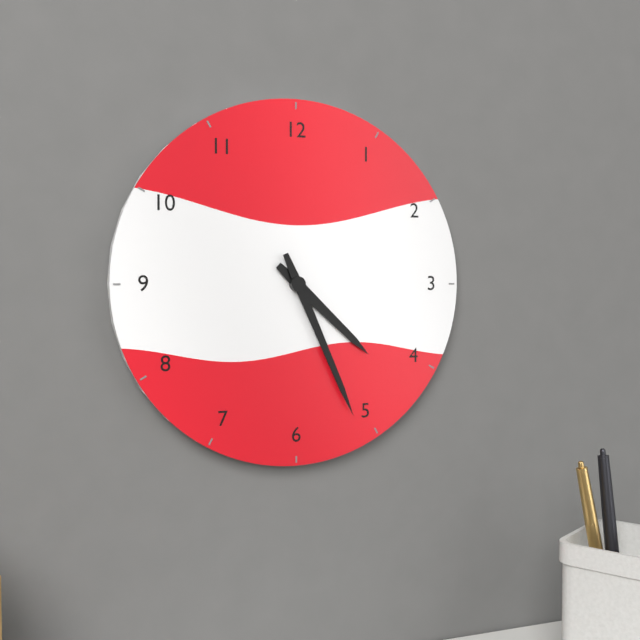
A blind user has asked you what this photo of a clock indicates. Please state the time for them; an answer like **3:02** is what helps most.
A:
**4:26**
